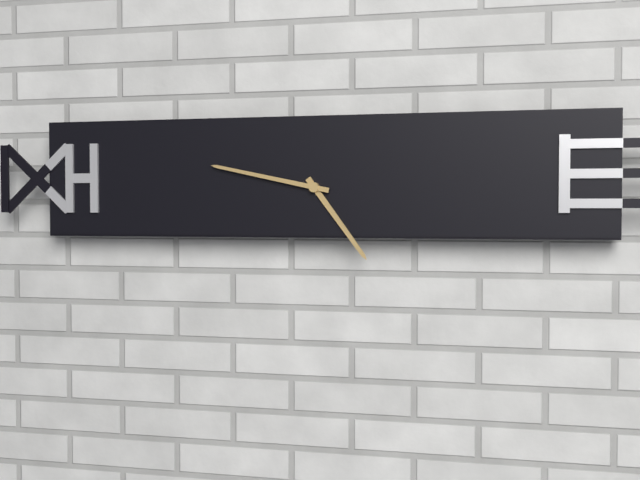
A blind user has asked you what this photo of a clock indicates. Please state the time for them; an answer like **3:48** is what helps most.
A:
**4:47**
